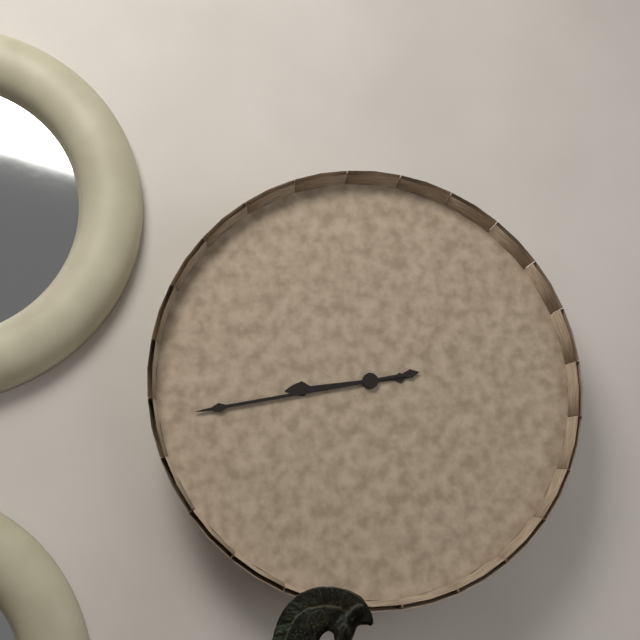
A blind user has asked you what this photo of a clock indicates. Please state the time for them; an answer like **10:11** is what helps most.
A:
**8:43**
